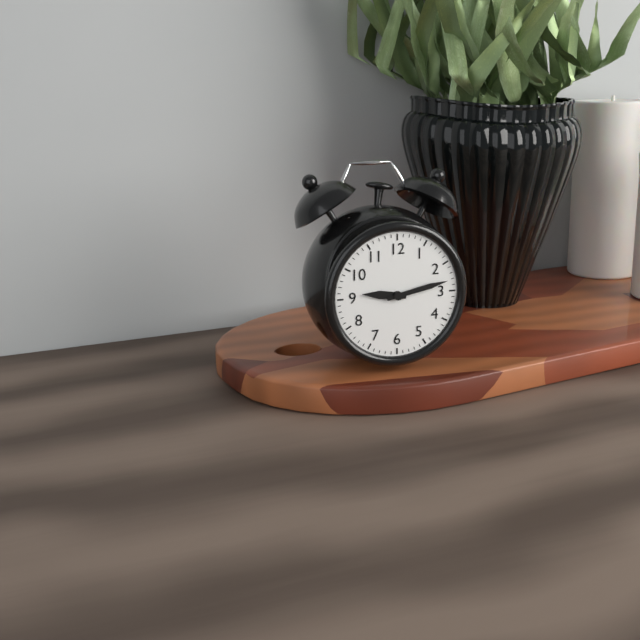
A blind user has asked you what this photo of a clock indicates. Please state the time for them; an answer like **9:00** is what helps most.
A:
**9:13**
